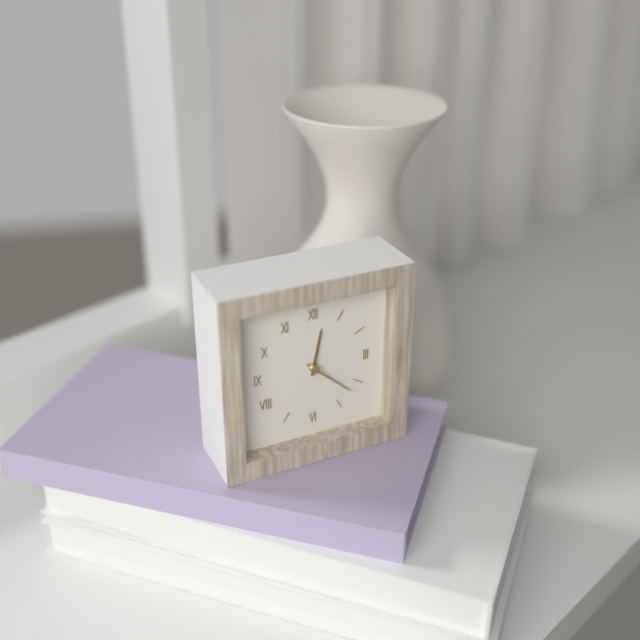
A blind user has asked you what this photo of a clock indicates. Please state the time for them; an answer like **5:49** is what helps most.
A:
**12:22**
